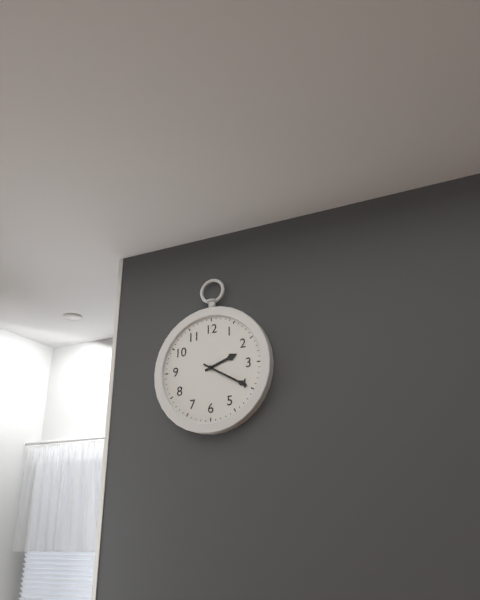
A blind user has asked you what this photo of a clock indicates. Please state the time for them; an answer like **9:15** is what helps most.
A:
**2:20**
